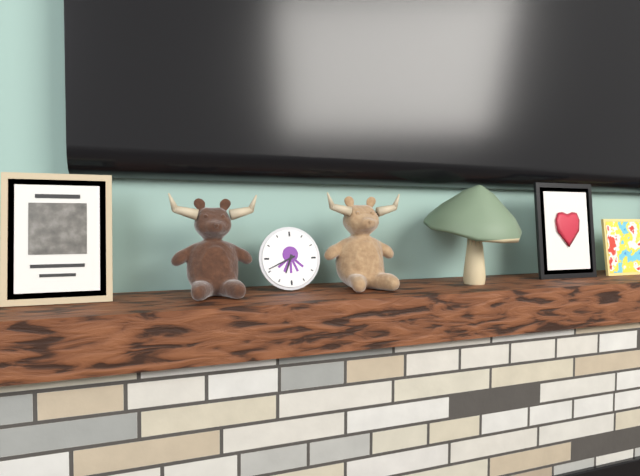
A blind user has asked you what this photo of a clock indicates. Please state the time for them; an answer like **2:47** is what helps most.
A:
**6:41**
